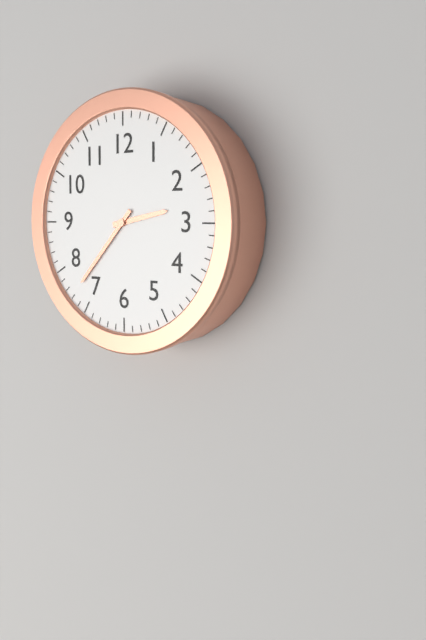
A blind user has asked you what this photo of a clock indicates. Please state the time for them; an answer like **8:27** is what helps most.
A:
**2:37**
